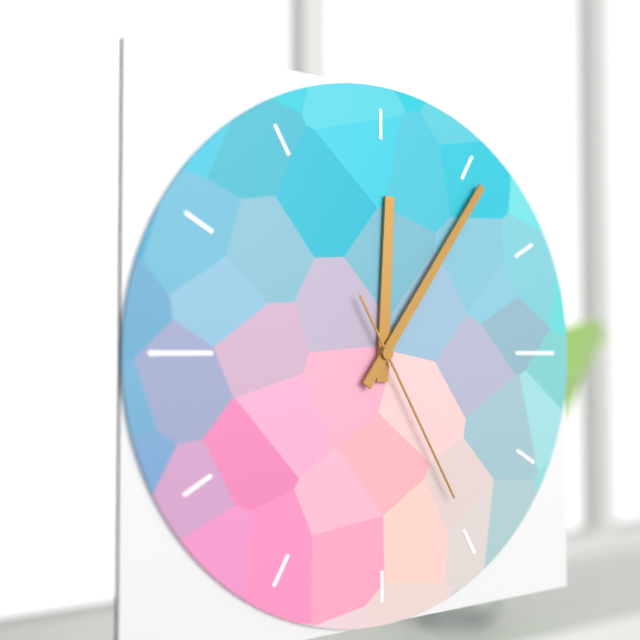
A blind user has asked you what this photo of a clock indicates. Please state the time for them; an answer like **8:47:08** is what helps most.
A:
**12:06:25**
